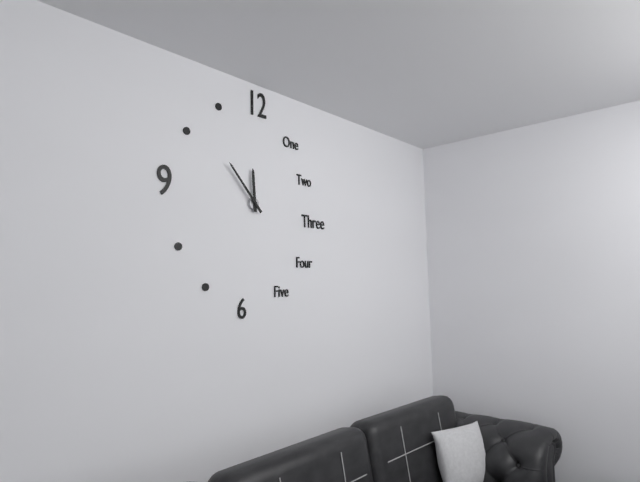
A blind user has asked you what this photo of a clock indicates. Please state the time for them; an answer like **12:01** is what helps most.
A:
**11:53**
